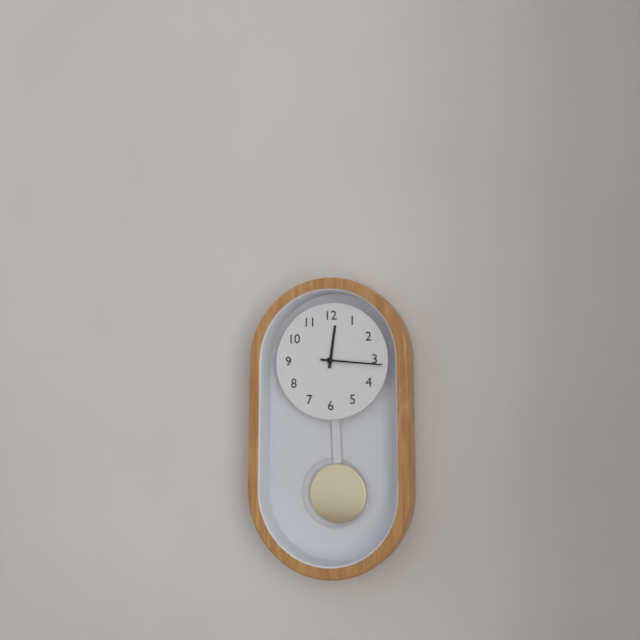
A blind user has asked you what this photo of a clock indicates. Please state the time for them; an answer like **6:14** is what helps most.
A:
**12:16**
